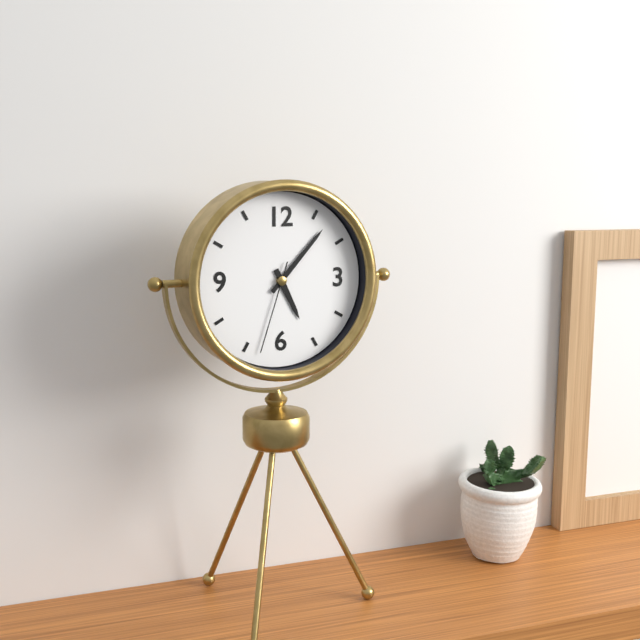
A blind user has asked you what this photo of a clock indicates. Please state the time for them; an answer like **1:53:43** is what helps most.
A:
**5:07:33**
